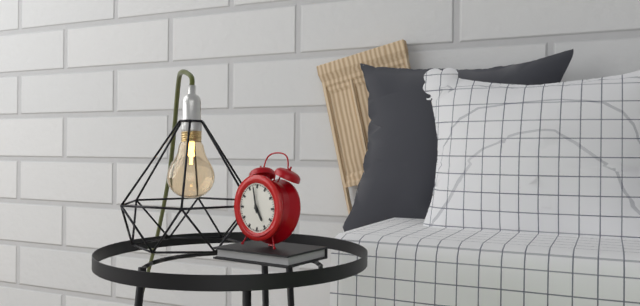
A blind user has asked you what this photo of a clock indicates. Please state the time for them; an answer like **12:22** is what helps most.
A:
**4:58**
